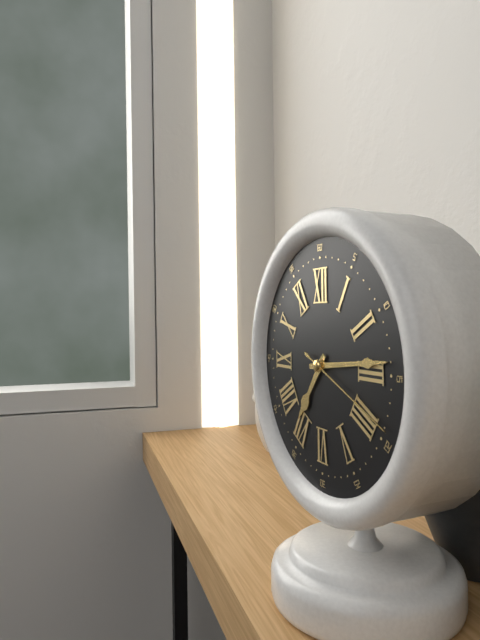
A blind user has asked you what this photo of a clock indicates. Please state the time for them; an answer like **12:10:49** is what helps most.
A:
**7:14:19**
